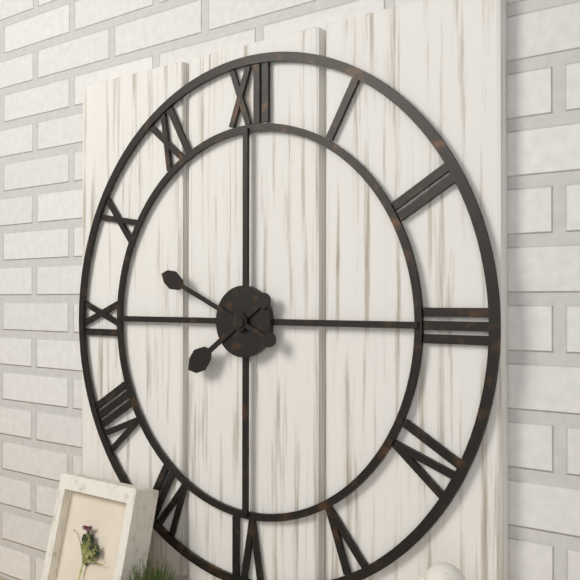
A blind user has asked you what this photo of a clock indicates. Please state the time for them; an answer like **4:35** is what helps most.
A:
**7:49**
